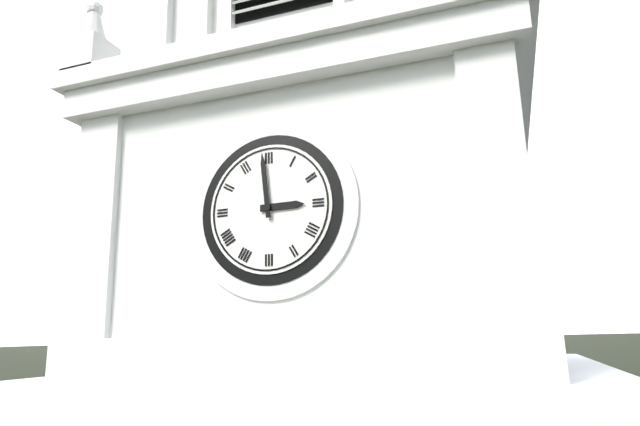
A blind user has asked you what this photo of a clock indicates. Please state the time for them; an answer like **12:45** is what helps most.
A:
**2:59**
